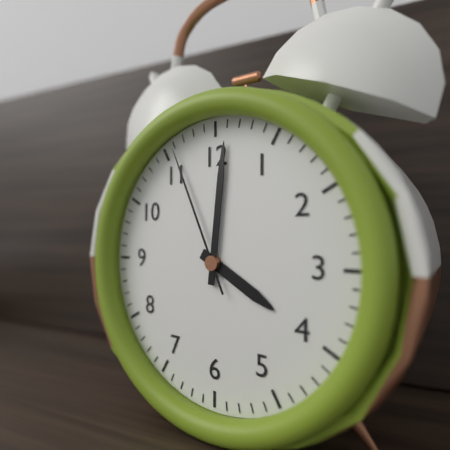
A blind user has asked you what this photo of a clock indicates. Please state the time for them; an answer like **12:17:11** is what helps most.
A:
**4:01:56**
